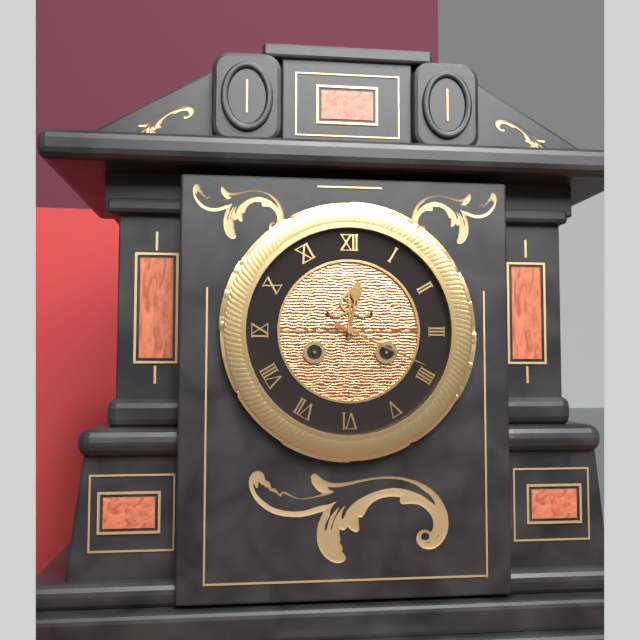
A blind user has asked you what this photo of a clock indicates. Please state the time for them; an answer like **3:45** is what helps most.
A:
**12:19**
